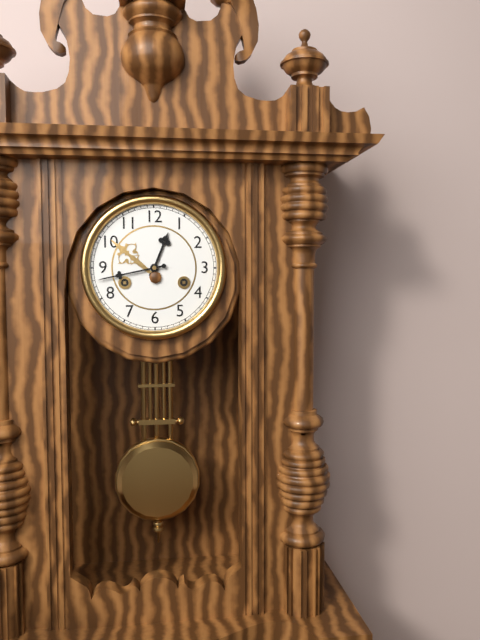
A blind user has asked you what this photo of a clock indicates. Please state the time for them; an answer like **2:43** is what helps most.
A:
**12:43**
